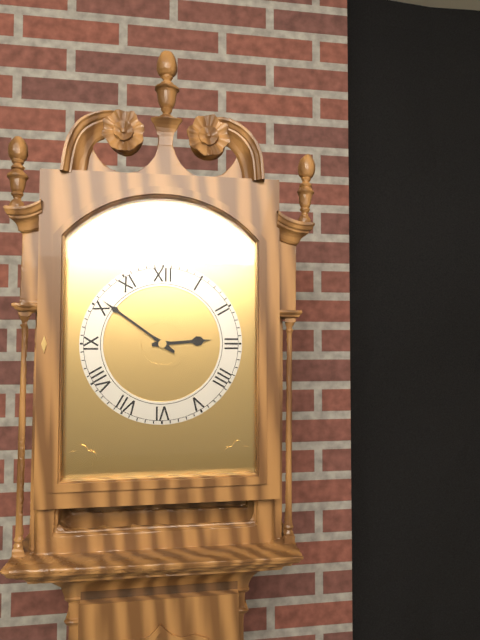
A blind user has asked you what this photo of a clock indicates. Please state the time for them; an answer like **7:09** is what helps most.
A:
**2:51**
